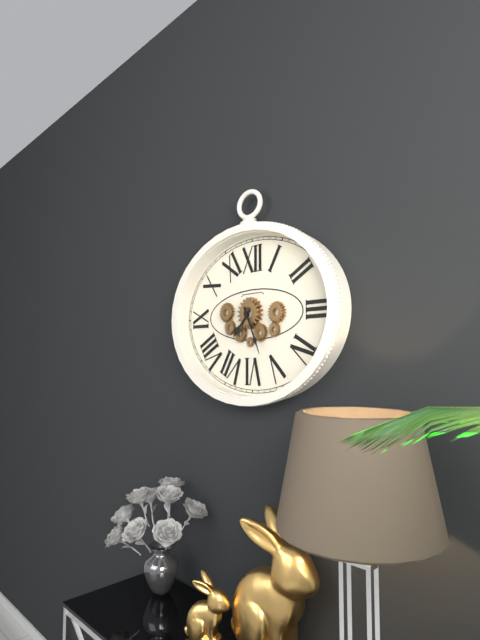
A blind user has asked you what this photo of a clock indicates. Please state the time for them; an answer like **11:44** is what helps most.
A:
**7:26**
